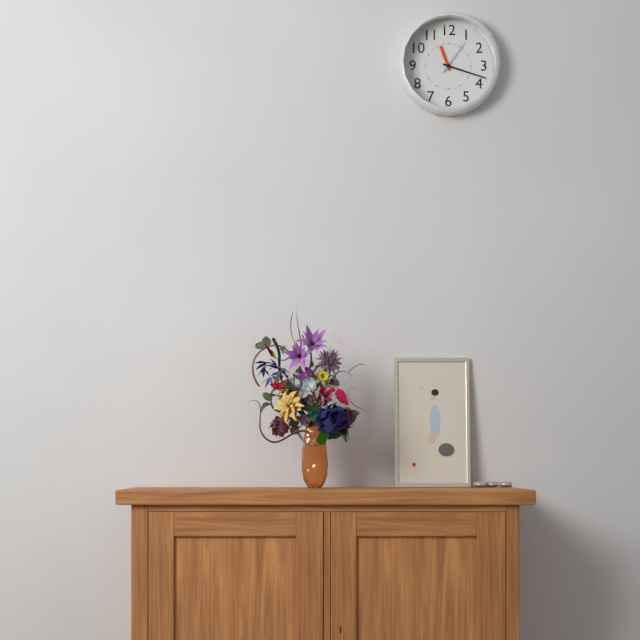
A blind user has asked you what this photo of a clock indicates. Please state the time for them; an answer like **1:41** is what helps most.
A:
**11:18**
